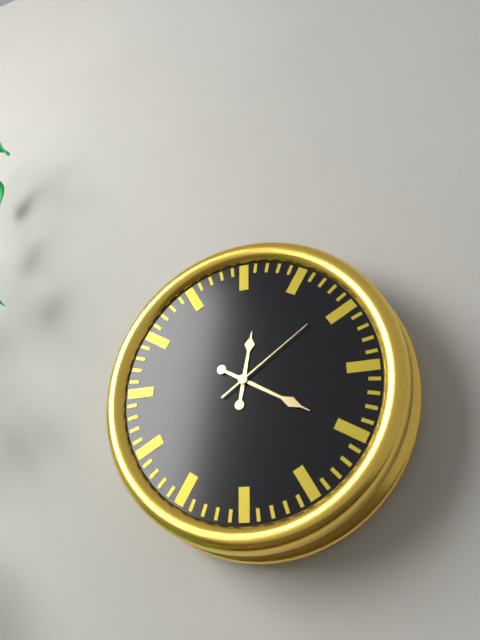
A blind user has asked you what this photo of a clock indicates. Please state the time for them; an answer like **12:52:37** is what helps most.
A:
**12:20:09**
